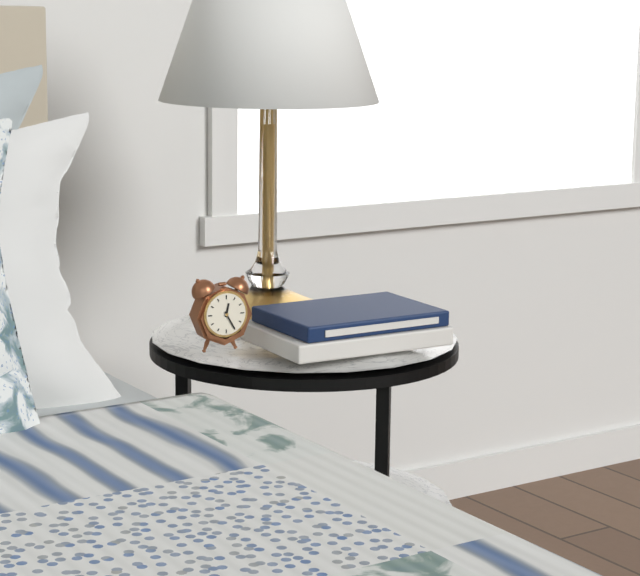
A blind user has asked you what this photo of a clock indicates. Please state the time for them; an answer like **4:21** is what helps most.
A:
**12:25**
